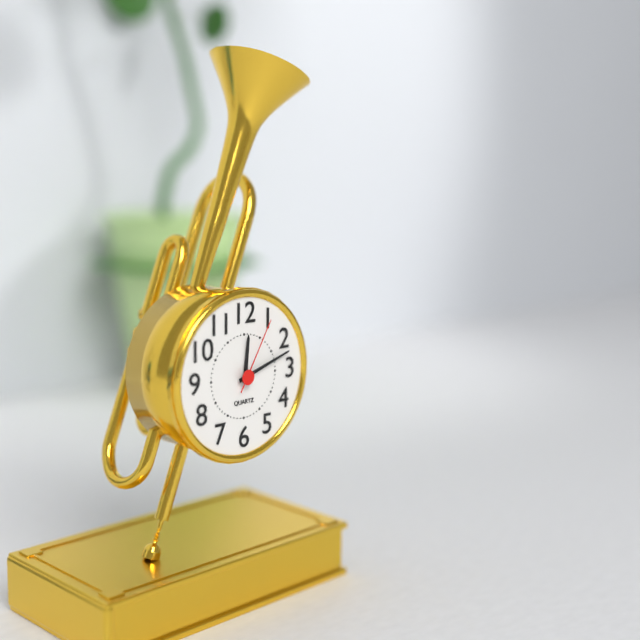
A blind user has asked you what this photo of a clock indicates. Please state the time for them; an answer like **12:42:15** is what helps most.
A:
**12:12:05**
